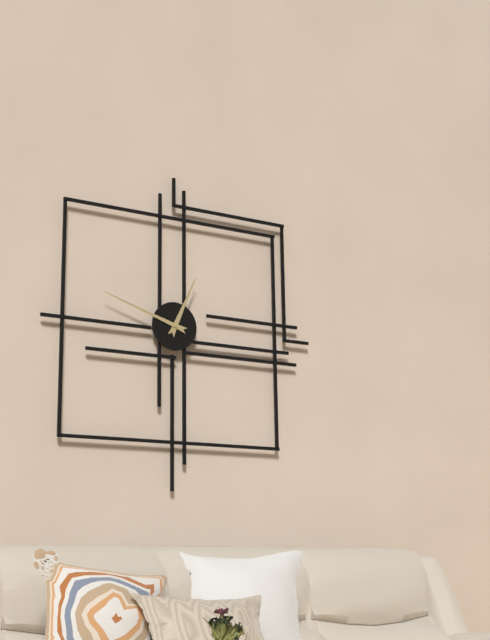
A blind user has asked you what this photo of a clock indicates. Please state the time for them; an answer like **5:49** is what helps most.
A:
**12:48**
